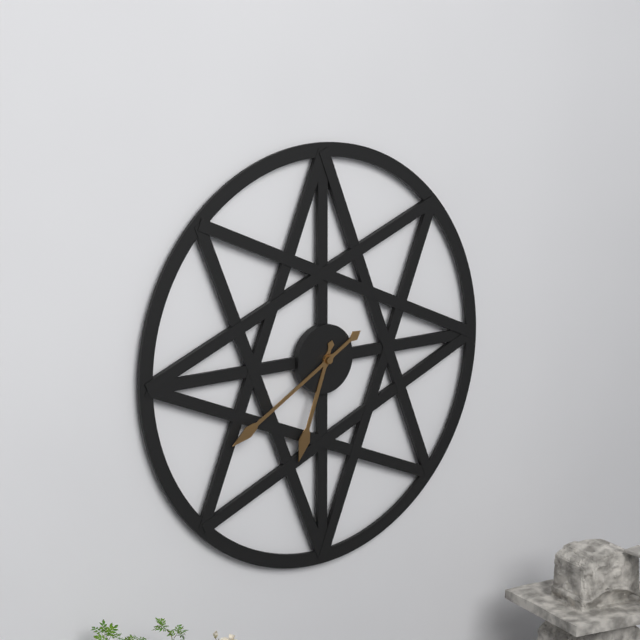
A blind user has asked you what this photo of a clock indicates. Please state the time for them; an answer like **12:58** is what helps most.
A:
**6:40**
